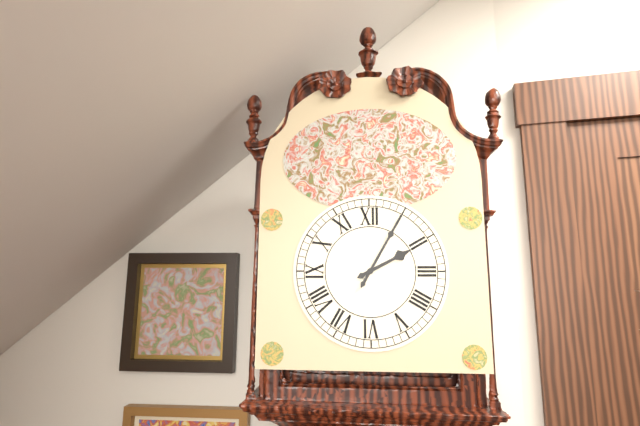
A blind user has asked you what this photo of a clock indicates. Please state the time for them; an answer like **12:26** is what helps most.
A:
**2:05**
